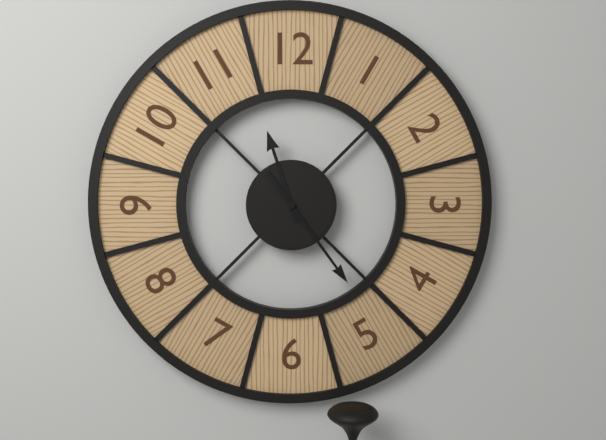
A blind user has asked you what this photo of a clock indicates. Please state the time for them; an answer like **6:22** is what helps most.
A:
**11:24**
